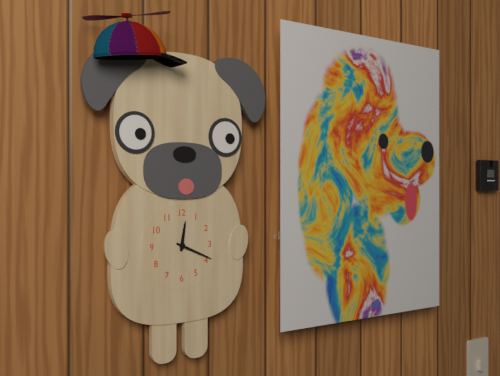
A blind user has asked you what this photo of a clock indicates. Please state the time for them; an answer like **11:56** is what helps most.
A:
**12:19**
